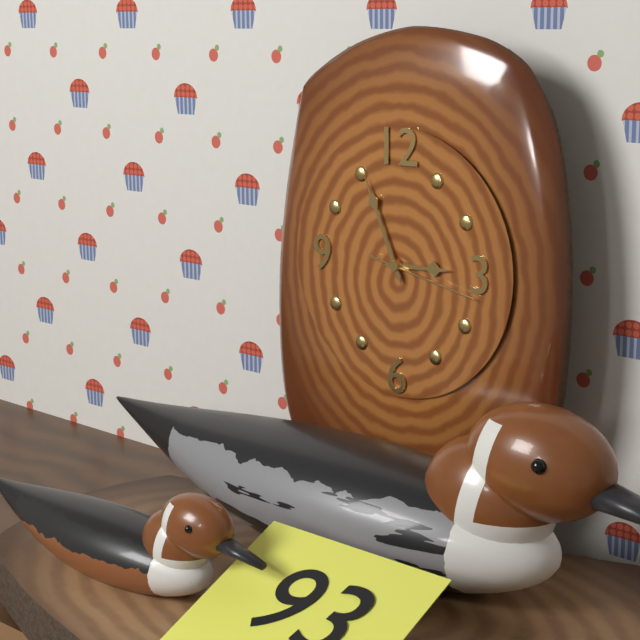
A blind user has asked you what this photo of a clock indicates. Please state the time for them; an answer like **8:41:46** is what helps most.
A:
**2:56:17**
